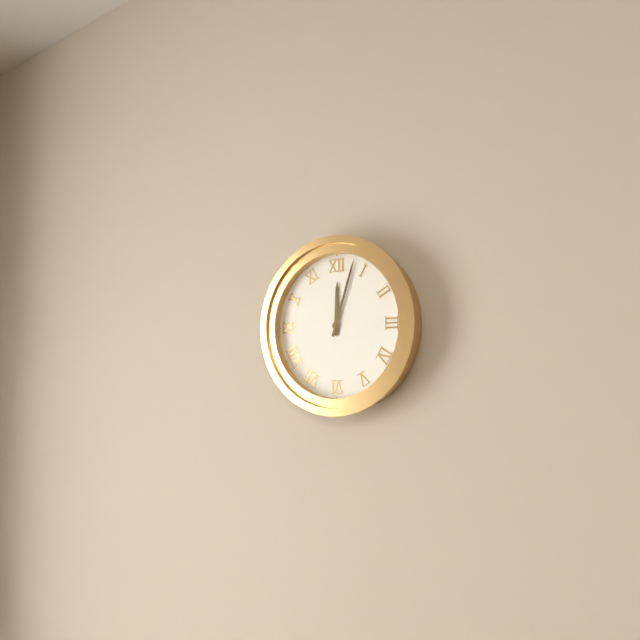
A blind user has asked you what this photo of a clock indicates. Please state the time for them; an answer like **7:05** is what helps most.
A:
**12:03**
